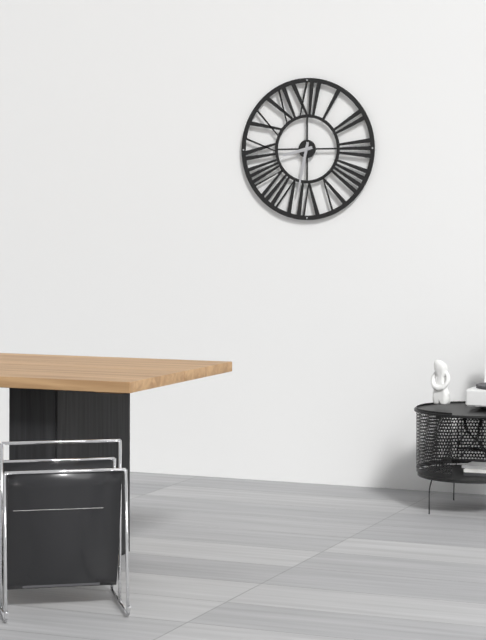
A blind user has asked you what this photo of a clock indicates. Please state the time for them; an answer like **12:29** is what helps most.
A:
**8:32**
